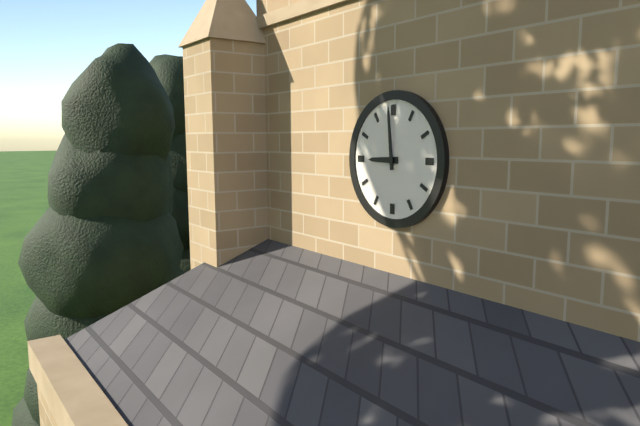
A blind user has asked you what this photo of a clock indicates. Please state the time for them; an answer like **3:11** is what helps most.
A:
**8:59**
